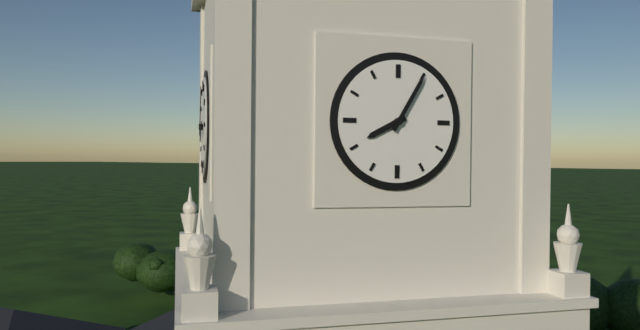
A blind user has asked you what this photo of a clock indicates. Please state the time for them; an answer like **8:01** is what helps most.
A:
**8:05**
